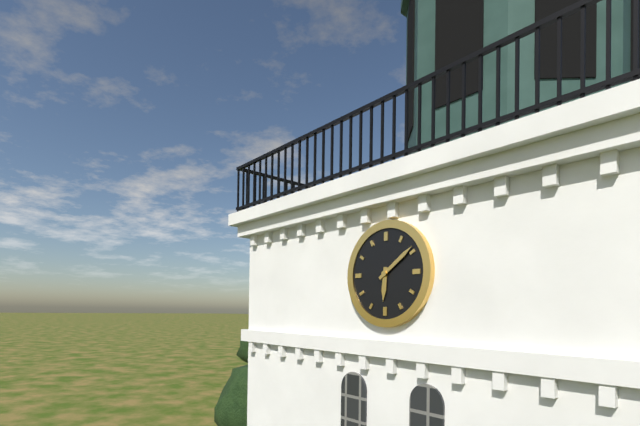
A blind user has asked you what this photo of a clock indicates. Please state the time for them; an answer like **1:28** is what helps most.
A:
**6:09**
